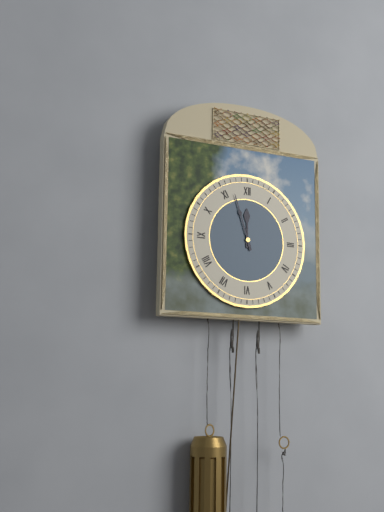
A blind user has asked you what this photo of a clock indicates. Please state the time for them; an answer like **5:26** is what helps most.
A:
**11:57**
